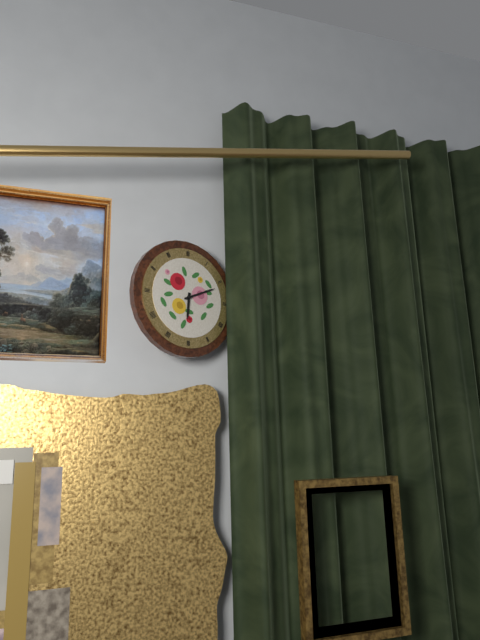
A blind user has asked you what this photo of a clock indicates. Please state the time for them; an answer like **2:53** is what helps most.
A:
**6:11**
